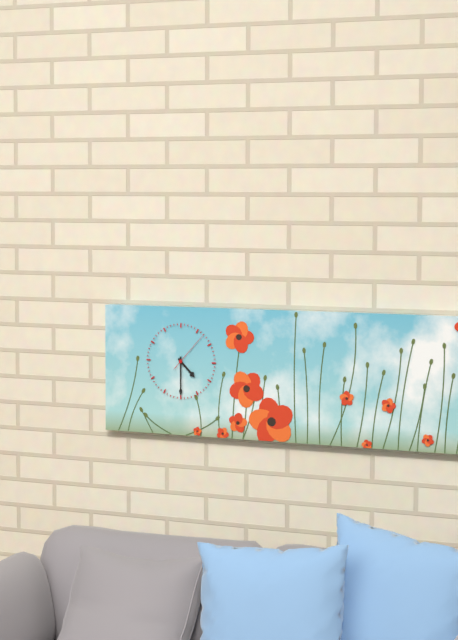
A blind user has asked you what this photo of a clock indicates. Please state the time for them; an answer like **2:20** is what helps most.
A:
**4:30**
